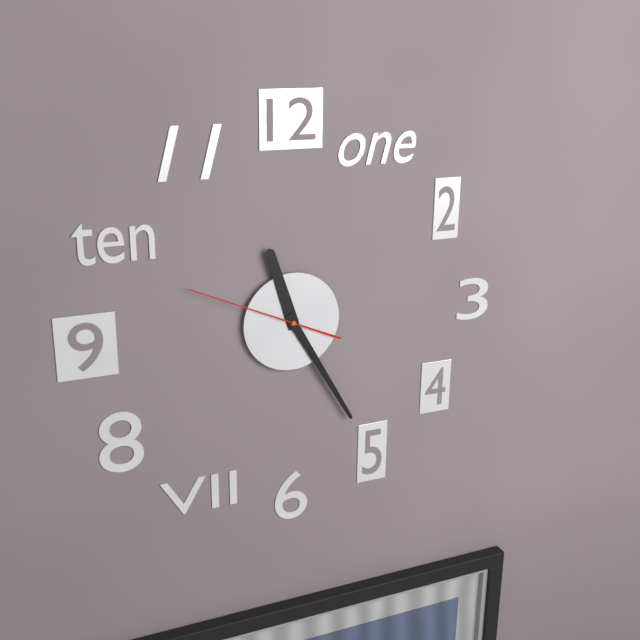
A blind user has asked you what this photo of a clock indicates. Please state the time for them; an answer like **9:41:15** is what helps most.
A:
**11:25:49**
